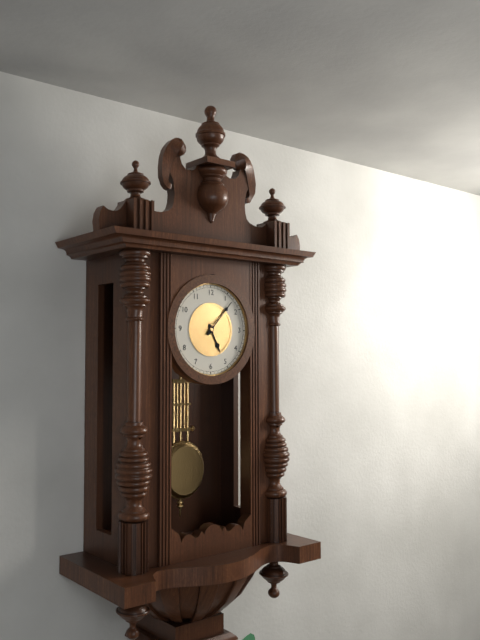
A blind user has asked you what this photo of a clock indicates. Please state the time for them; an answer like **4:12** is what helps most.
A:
**5:07**
